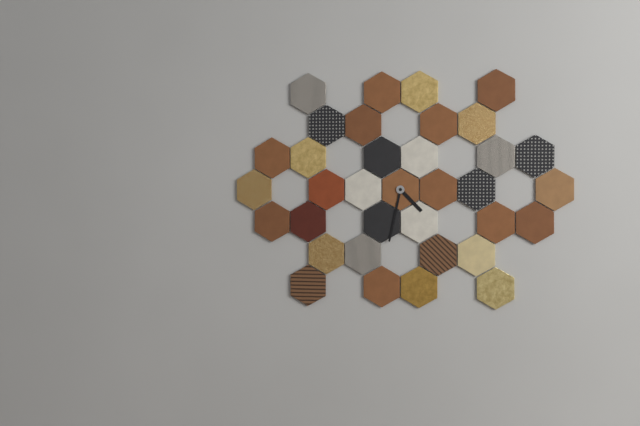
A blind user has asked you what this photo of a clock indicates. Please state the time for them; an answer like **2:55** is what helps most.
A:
**4:32**
